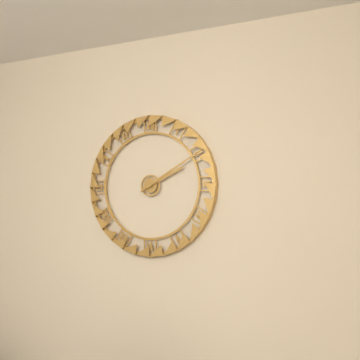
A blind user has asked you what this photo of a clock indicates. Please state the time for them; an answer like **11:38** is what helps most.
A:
**2:10**
